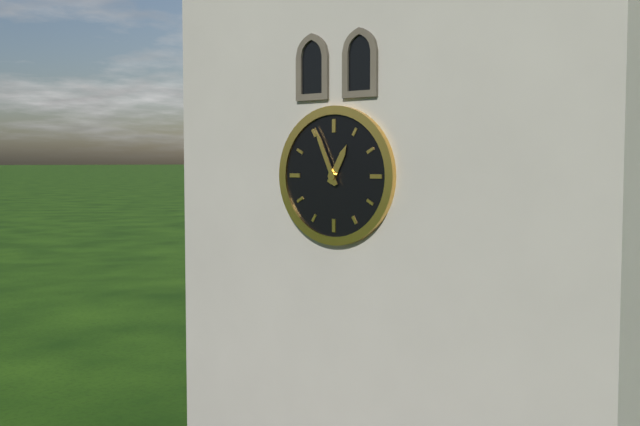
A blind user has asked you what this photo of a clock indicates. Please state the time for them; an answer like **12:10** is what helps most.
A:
**12:56**
